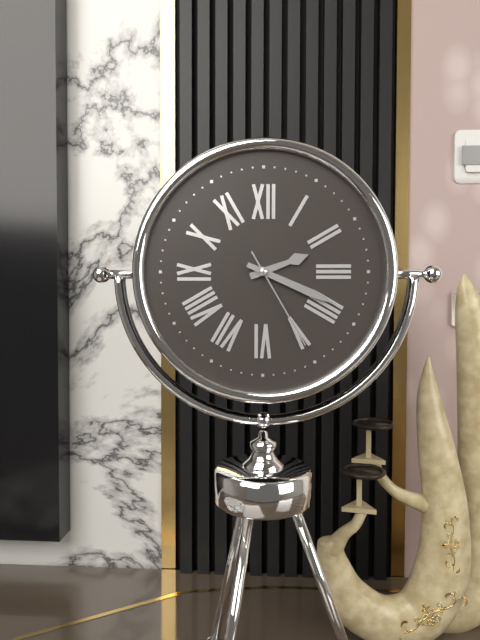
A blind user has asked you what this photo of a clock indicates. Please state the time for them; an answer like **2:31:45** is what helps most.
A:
**2:19:25**
